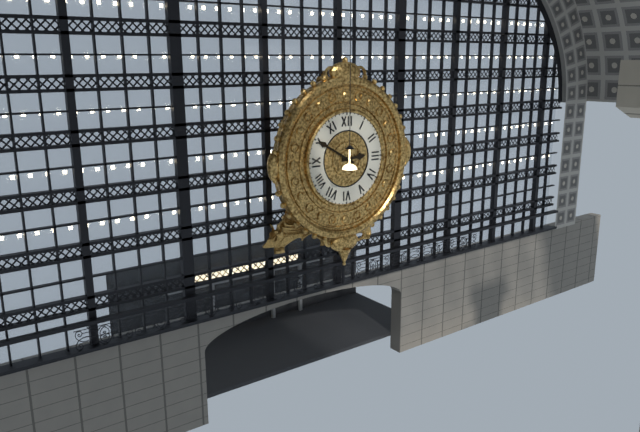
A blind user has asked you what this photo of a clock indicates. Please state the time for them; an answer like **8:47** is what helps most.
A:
**2:50**
